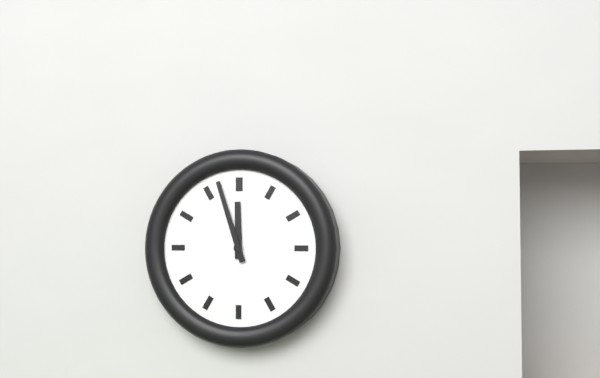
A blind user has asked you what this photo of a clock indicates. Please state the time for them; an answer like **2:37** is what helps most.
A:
**11:57**
